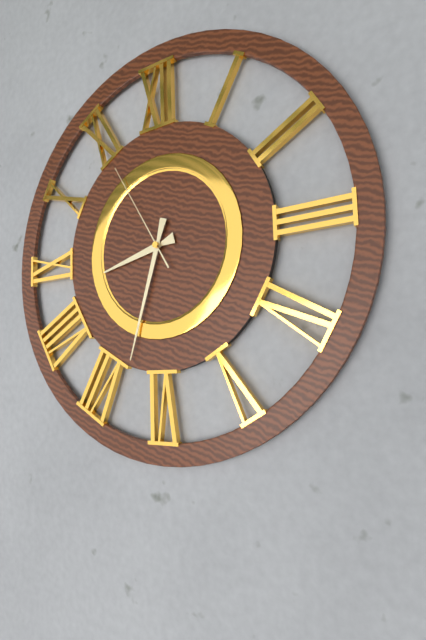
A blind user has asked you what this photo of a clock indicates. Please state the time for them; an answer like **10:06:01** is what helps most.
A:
**8:33:55**
